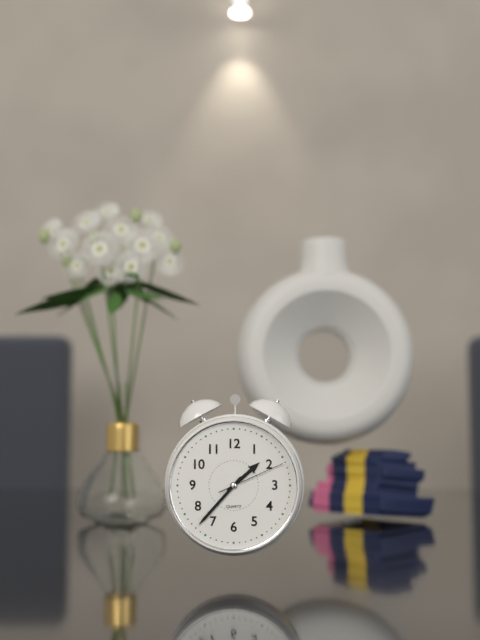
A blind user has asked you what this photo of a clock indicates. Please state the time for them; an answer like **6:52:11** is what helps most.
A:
**1:37:11**
